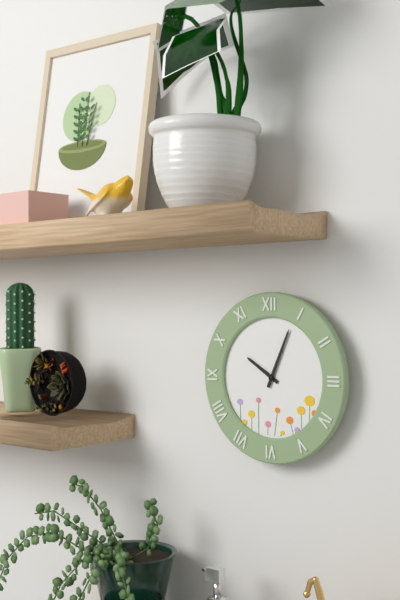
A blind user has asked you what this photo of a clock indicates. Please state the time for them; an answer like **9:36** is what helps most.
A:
**10:04**
